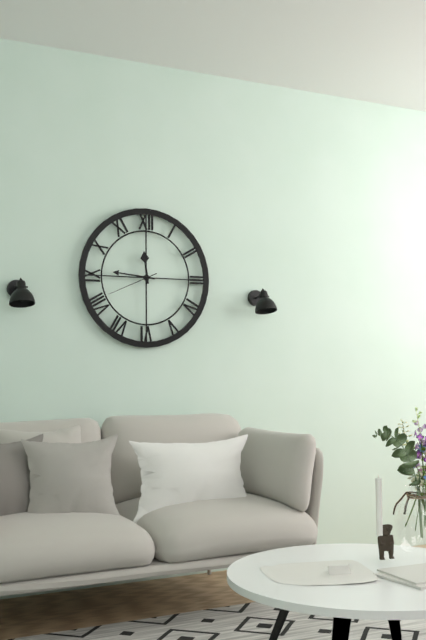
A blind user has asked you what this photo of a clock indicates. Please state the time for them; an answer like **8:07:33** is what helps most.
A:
**11:46:41**
